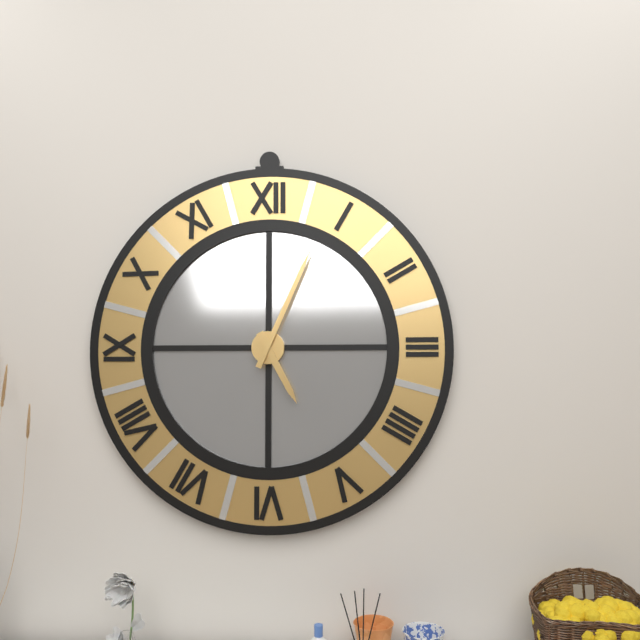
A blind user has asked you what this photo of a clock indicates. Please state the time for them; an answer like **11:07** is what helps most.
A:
**5:04**
